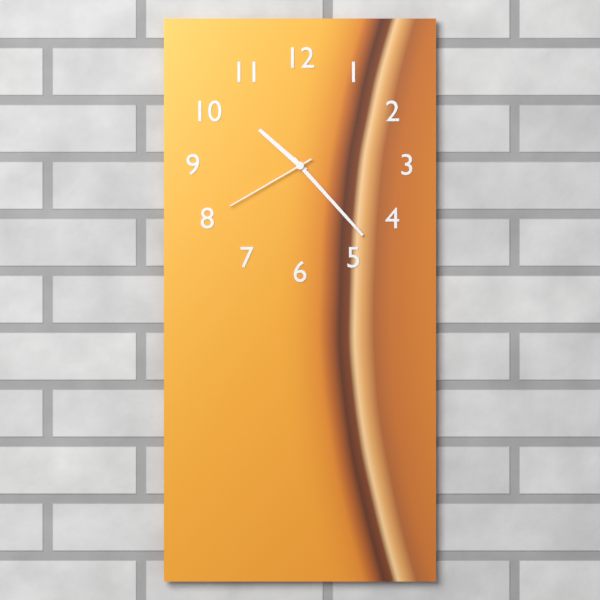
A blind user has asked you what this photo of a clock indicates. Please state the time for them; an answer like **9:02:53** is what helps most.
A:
**10:23:40**
